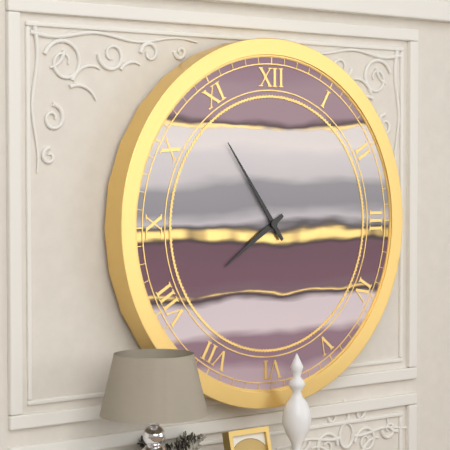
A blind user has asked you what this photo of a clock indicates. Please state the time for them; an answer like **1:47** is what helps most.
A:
**7:54**
